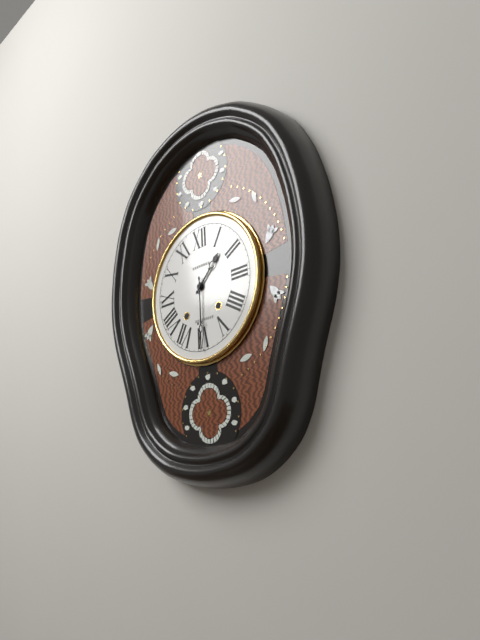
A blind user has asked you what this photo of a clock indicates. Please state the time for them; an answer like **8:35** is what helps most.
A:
**1:30**
